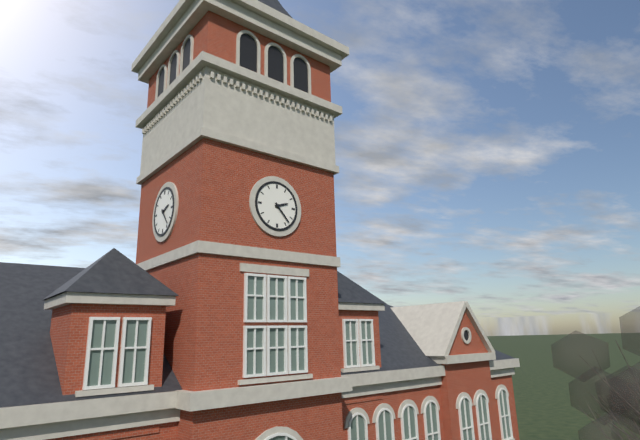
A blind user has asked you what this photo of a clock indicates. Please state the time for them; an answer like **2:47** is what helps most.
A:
**2:23**
